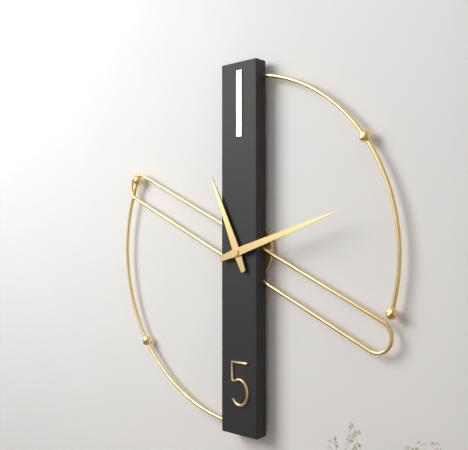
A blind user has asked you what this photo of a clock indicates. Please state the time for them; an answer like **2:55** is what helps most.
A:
**11:12**
